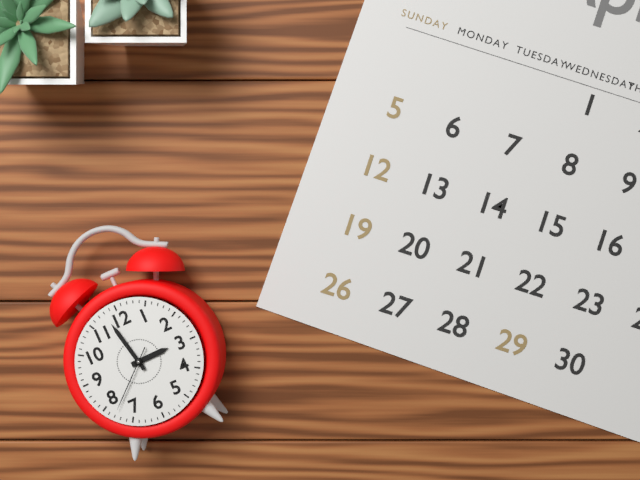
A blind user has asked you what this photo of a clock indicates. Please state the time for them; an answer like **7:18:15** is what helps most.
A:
**2:58:38**
